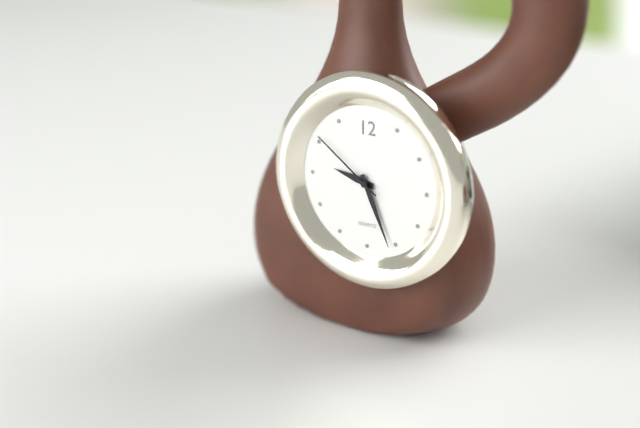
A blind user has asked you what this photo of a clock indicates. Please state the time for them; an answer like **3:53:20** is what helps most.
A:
**9:26:51**
